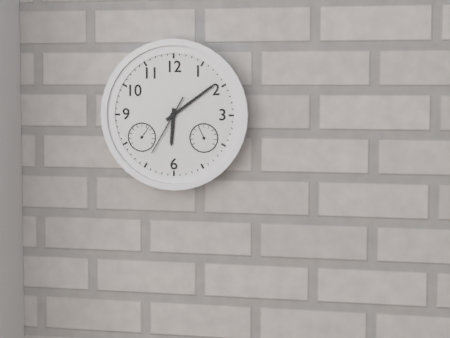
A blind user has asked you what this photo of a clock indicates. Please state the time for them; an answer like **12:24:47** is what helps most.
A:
**6:09:35**
